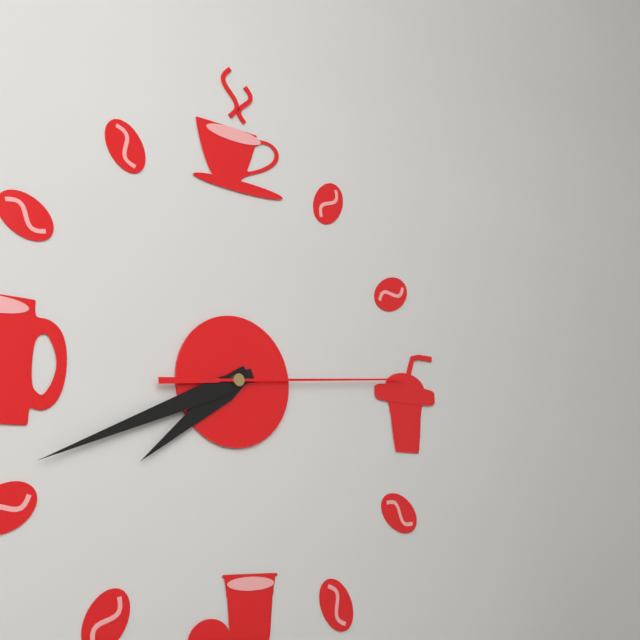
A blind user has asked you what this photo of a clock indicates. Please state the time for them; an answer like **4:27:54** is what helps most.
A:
**7:41:14**
